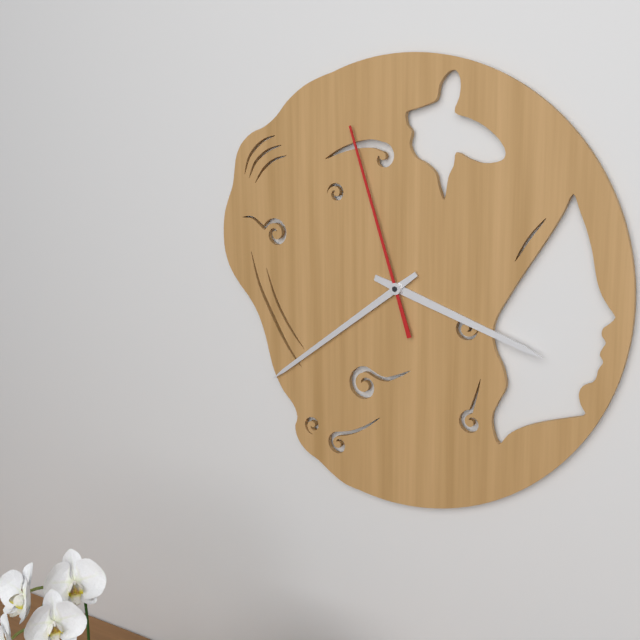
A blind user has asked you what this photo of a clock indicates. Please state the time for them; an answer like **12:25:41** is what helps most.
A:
**3:39:57**
